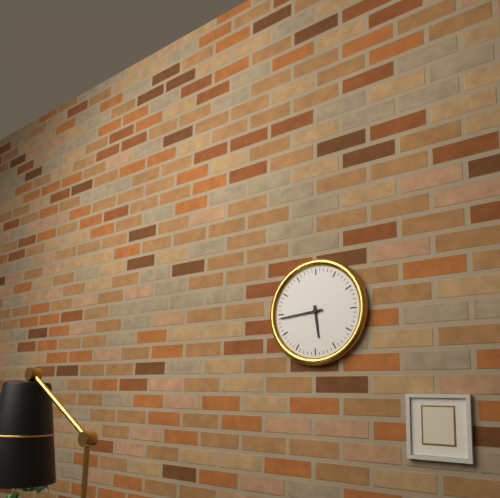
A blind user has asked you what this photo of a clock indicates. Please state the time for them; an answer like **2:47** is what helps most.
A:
**5:44**
